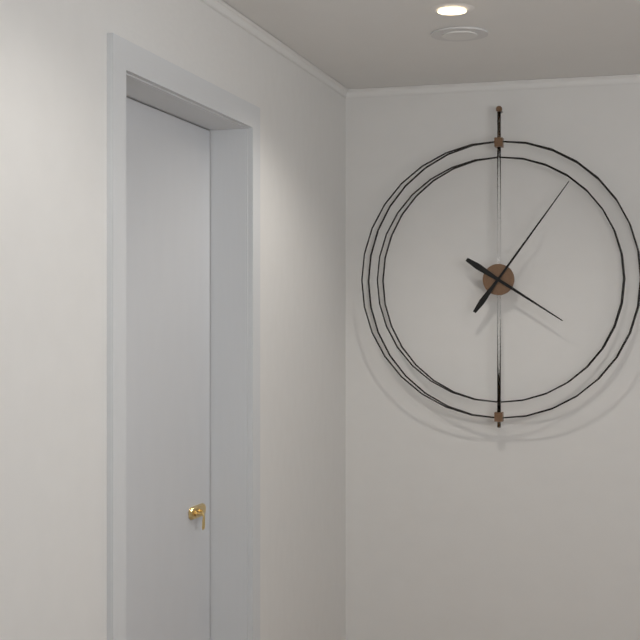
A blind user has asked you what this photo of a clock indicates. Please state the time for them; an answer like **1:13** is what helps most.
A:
**4:06**
